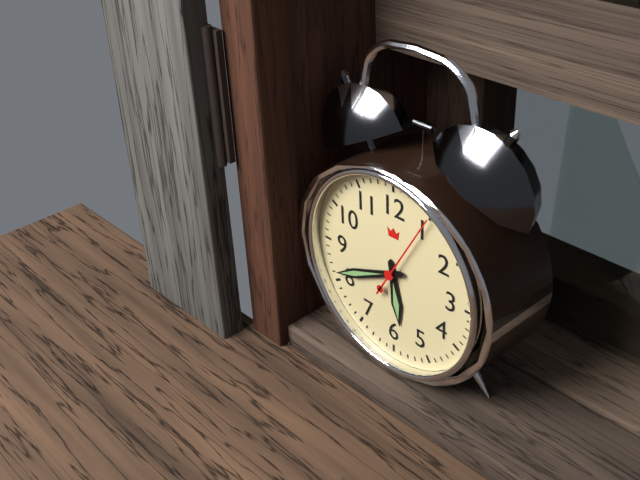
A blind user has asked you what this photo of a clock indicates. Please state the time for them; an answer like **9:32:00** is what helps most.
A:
**5:41:05**
